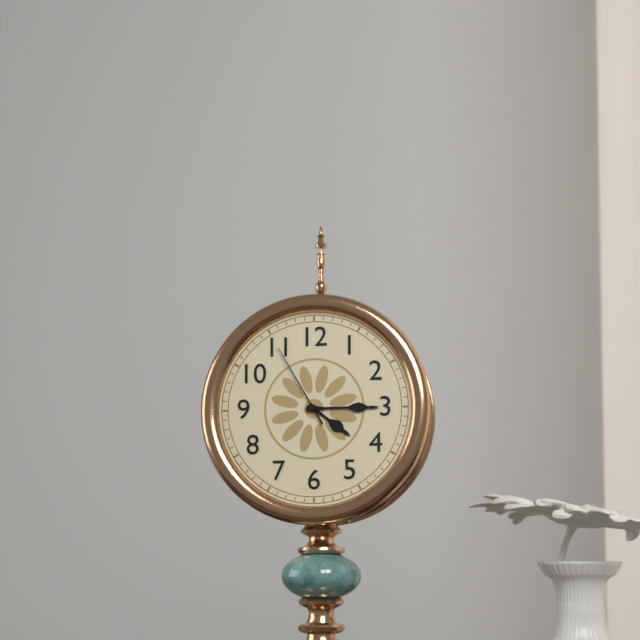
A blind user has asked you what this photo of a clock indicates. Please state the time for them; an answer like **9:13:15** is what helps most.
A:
**4:15:55**
